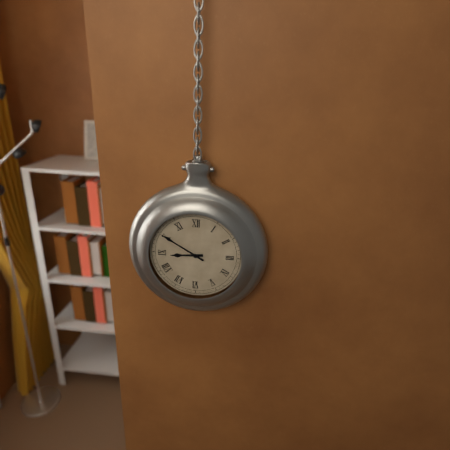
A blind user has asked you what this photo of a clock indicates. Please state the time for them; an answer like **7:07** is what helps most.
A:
**8:50**
